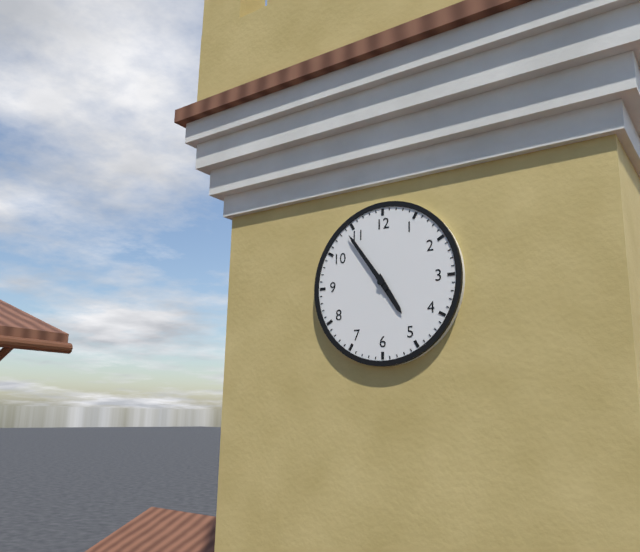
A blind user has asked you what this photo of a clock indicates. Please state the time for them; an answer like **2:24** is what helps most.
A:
**4:54**
